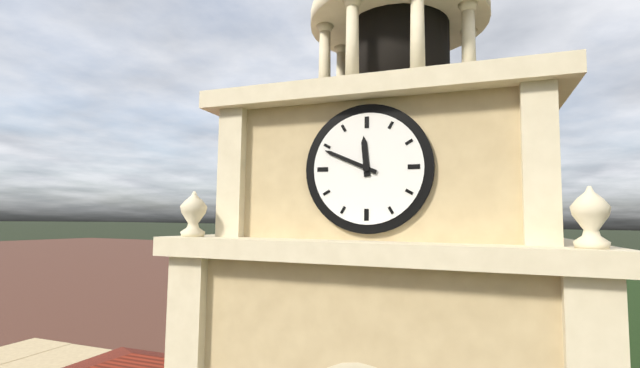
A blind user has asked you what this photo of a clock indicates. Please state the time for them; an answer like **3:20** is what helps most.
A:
**11:49**
